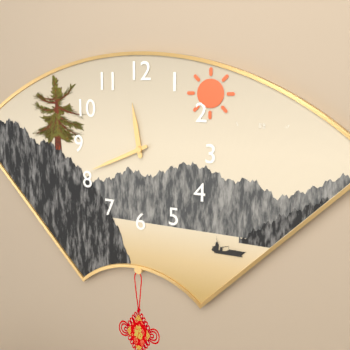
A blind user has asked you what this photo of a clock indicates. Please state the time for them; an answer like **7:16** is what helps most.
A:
**11:41**
